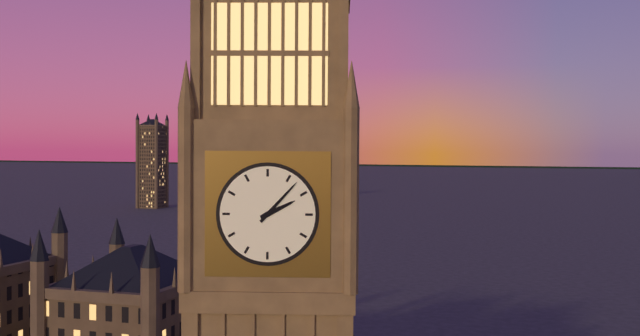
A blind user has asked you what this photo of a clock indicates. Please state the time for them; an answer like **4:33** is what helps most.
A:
**2:07**
